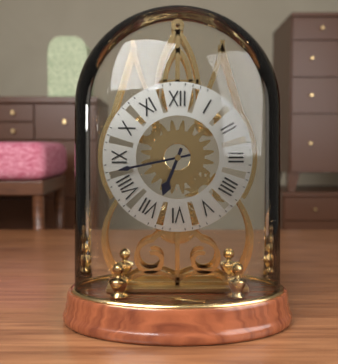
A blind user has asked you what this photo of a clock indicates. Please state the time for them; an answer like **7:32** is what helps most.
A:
**6:43**
